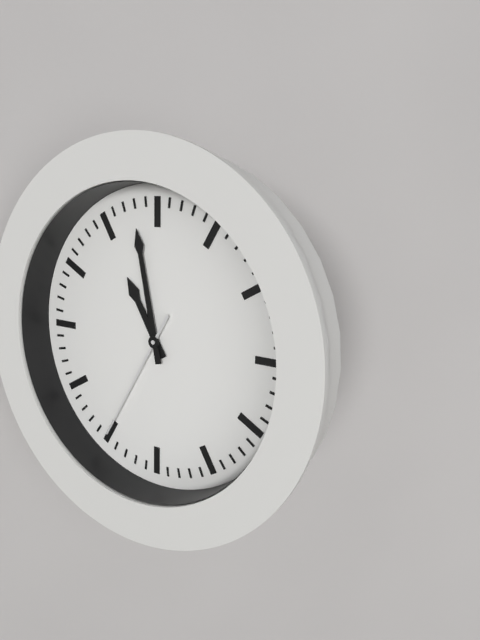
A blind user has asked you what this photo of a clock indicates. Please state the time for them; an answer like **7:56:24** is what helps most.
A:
**10:58:35**
